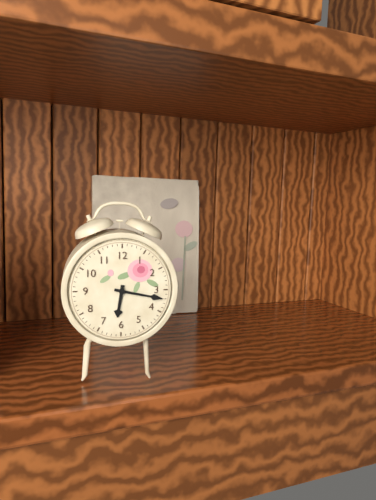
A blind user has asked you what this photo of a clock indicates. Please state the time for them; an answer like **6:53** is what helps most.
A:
**6:17**
